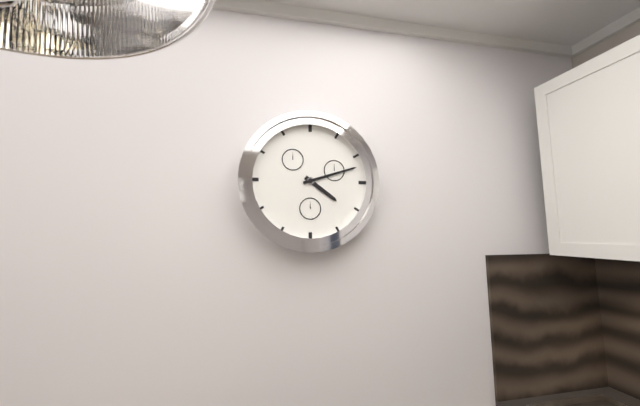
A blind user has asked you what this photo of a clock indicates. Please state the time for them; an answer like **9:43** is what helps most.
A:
**4:12**
